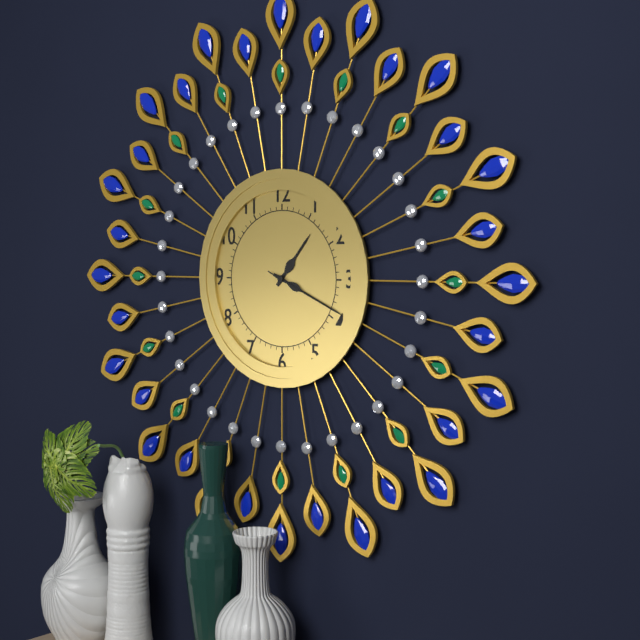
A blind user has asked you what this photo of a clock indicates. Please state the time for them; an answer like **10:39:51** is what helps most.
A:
**1:19:19**
